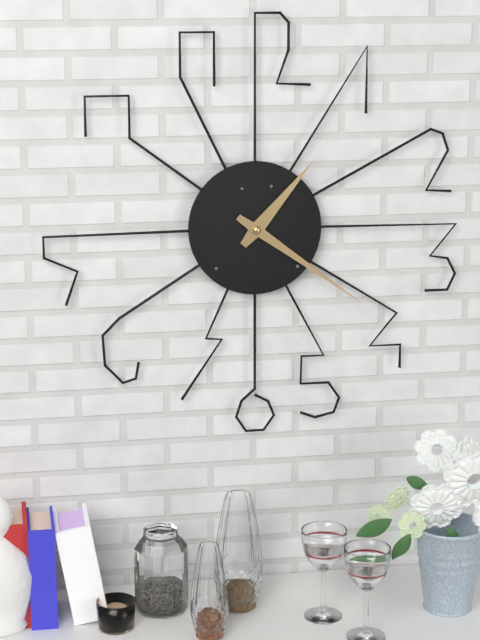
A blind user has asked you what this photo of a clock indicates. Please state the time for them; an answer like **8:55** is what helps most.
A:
**1:21**
